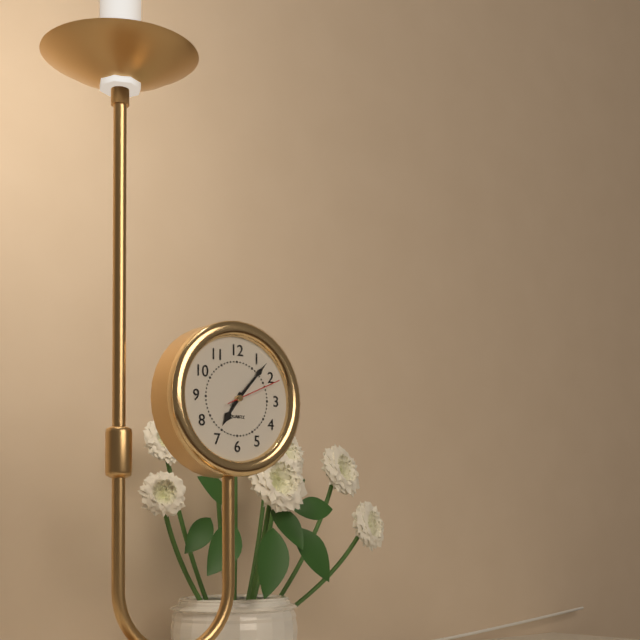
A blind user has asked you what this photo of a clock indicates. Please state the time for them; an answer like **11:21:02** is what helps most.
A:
**7:07:11**
